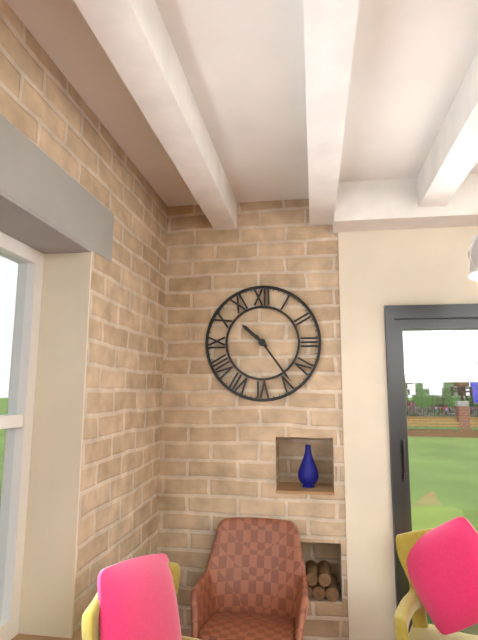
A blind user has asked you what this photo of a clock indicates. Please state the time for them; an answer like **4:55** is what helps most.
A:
**10:24**
